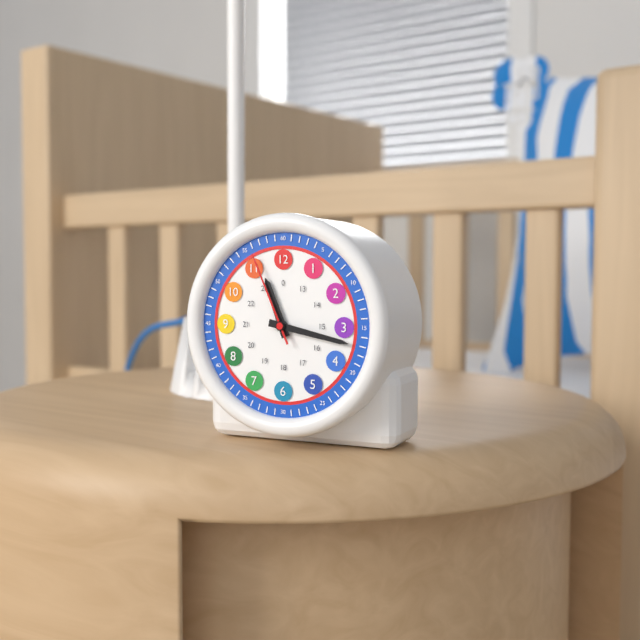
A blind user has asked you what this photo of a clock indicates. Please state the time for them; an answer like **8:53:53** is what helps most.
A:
**11:17:56**
